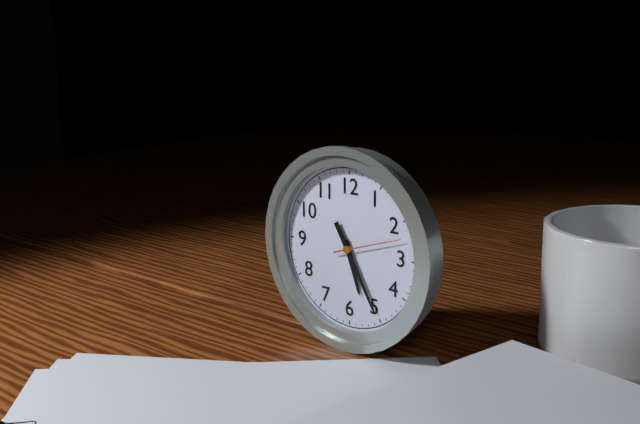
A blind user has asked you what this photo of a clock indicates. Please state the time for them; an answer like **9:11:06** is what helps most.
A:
**5:25:12**
